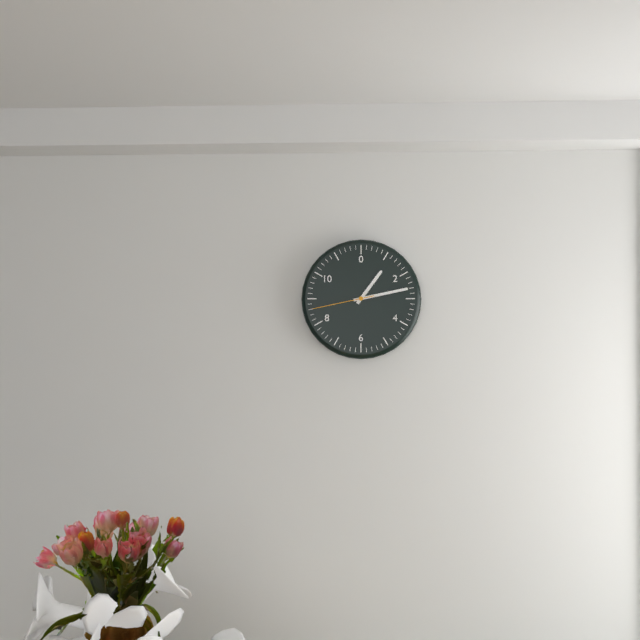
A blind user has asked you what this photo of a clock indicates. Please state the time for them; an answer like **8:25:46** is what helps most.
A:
**1:13:43**
